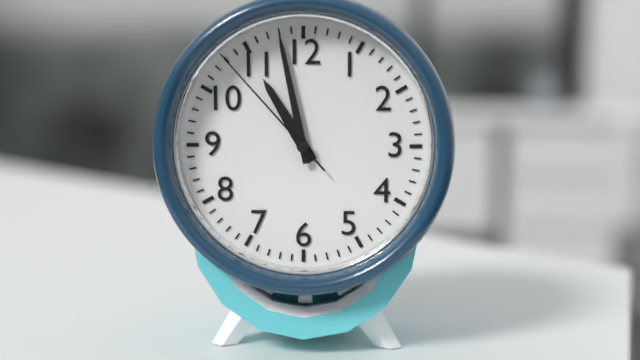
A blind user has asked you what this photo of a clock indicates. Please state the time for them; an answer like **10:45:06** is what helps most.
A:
**10:58:53**
